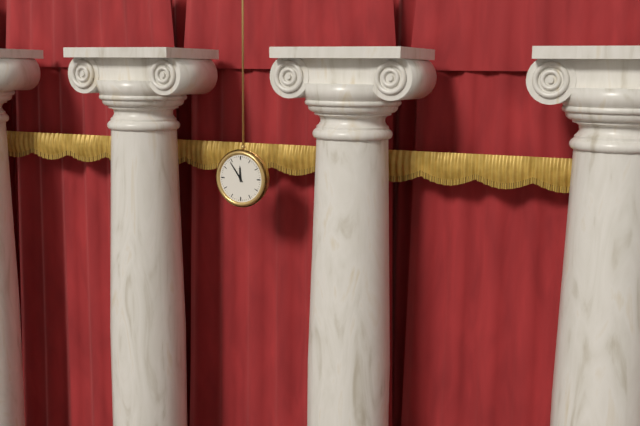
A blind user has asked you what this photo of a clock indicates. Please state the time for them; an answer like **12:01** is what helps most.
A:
**11:54**
